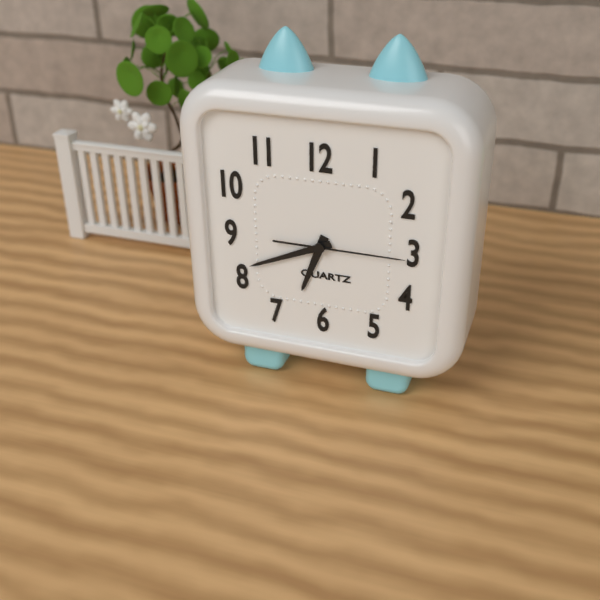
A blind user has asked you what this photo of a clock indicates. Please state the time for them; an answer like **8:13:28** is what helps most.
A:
**6:41:15**
